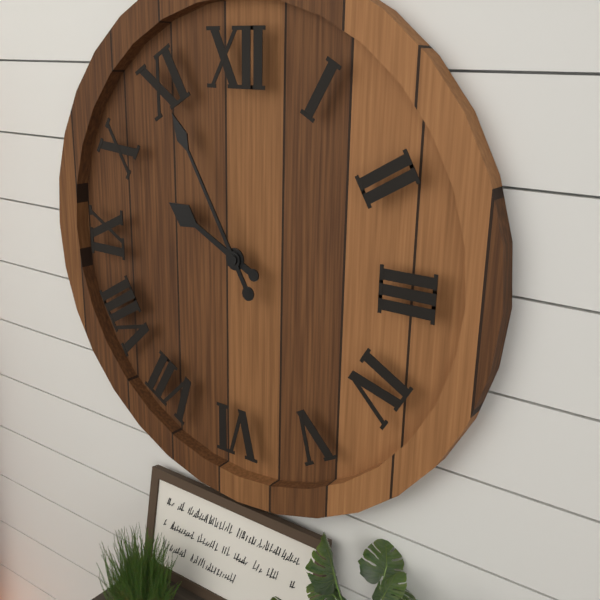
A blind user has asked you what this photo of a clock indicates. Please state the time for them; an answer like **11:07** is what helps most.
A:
**9:55**
